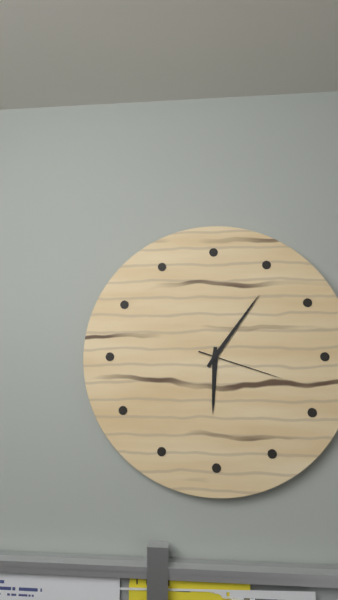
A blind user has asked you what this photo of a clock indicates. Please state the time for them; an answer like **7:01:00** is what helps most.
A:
**6:06:18**
